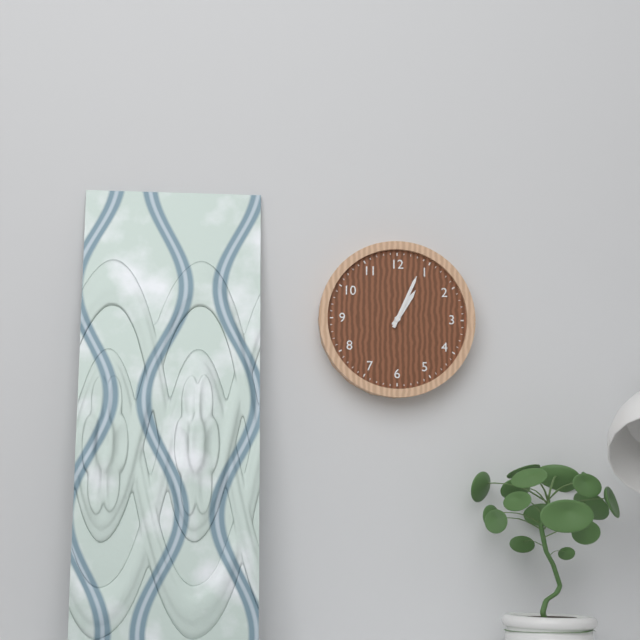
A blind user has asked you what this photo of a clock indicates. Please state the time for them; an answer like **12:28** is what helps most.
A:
**1:04**
